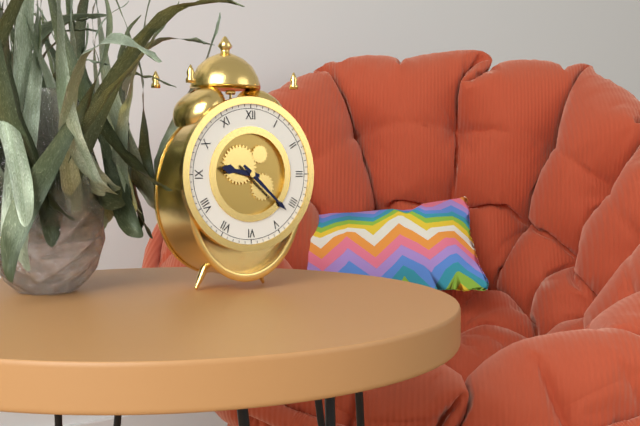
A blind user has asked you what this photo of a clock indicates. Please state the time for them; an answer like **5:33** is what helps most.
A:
**9:22**
